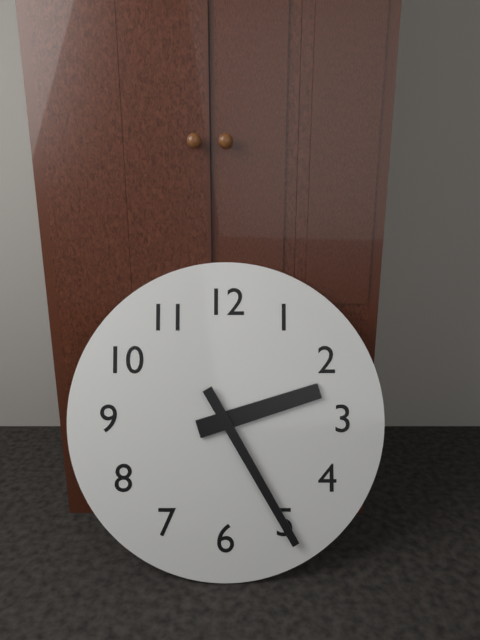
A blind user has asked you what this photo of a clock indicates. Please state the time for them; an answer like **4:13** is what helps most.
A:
**2:25**
